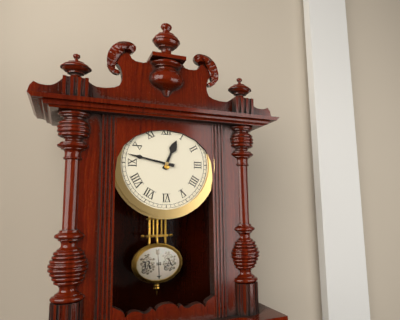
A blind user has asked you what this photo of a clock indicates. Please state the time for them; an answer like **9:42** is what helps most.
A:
**12:47**
